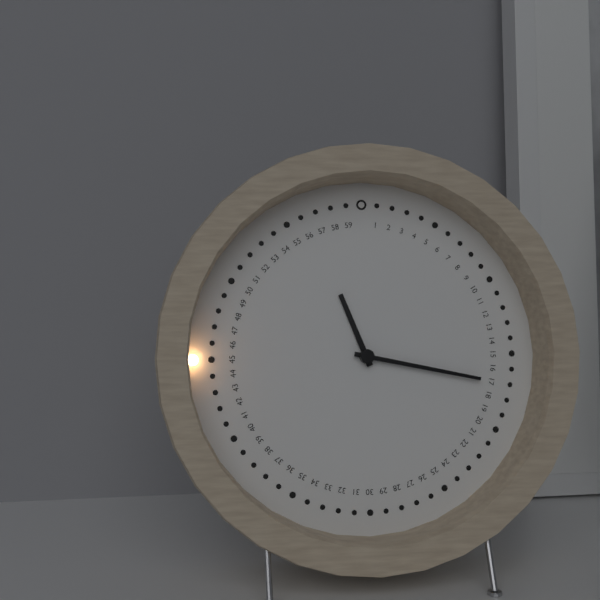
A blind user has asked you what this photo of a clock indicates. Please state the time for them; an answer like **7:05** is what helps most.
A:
**11:17**
